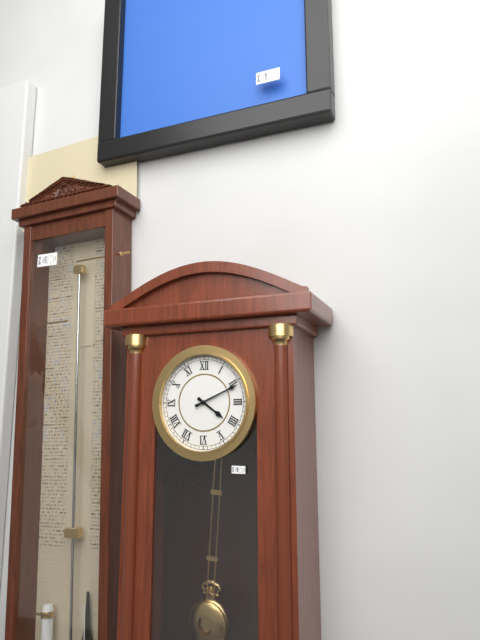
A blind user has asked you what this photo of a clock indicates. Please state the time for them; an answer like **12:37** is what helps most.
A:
**4:11**
